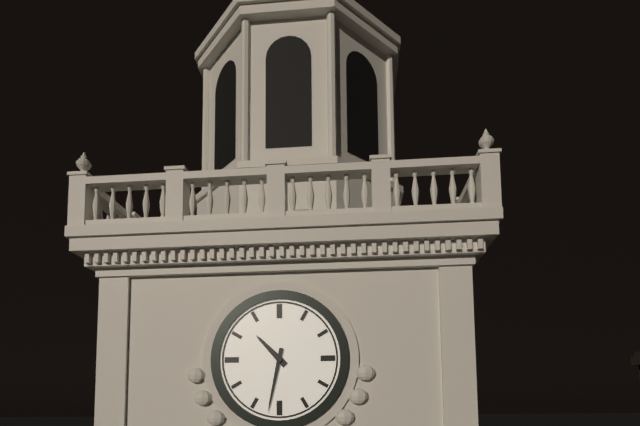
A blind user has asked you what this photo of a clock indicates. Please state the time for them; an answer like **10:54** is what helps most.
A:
**10:32**
